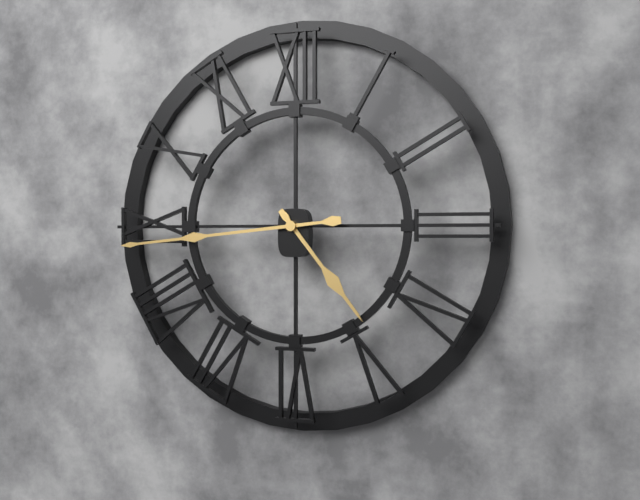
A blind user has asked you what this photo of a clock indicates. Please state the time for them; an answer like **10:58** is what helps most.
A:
**4:44**
